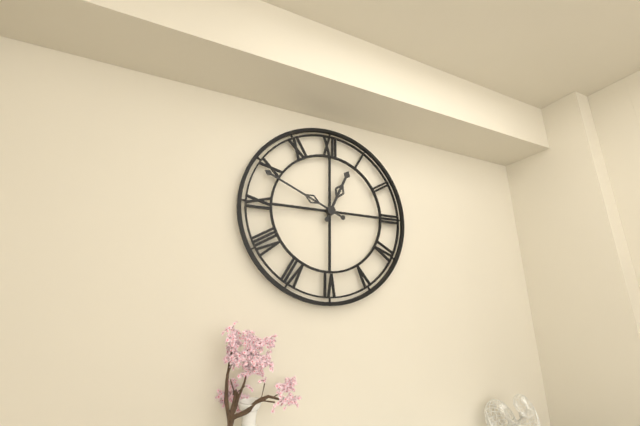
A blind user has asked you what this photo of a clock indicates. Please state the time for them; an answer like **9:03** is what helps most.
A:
**12:49**
